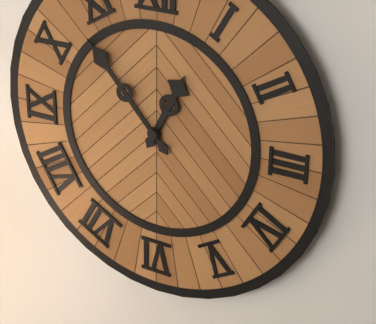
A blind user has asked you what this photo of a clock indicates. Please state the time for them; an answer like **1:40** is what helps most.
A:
**12:53**
